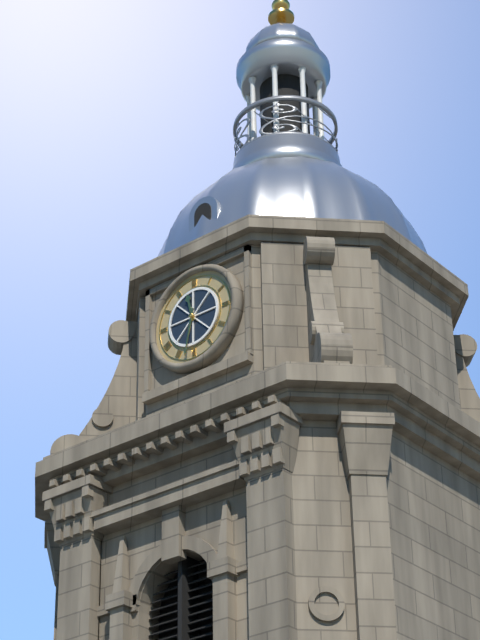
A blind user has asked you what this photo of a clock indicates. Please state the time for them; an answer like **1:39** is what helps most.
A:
**11:32**
